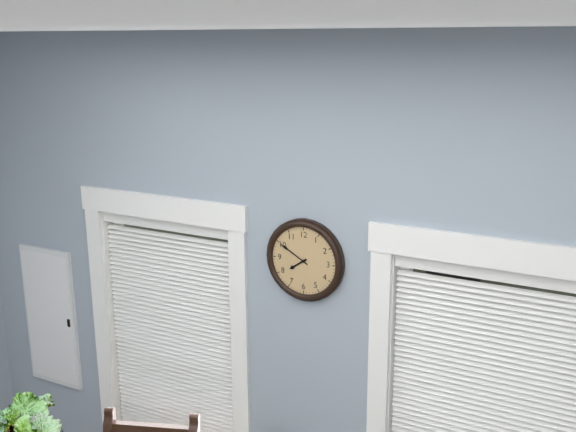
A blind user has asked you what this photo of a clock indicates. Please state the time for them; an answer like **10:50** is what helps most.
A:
**7:50**
